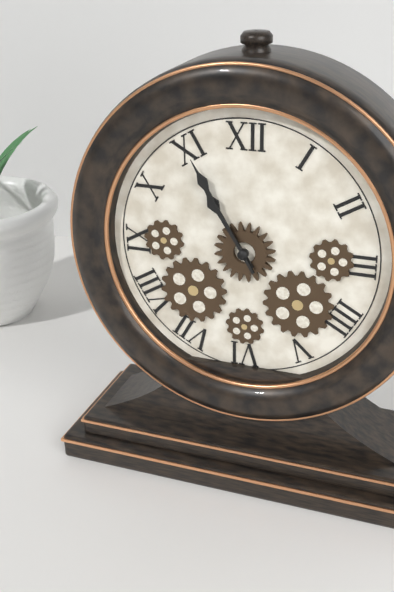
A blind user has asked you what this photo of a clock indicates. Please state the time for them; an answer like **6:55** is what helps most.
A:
**10:55**
